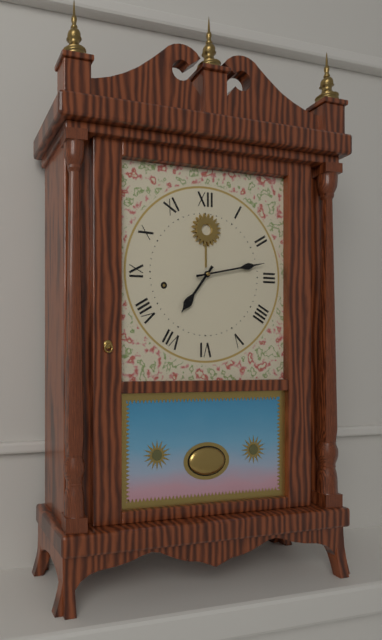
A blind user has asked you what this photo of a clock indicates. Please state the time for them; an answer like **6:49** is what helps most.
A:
**7:13**
